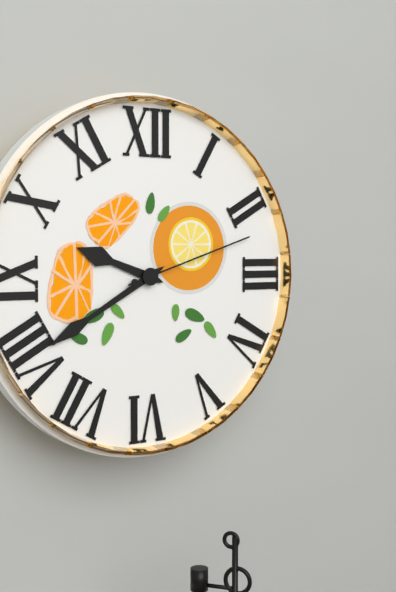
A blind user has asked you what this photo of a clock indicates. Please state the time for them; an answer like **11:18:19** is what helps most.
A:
**9:40:12**
